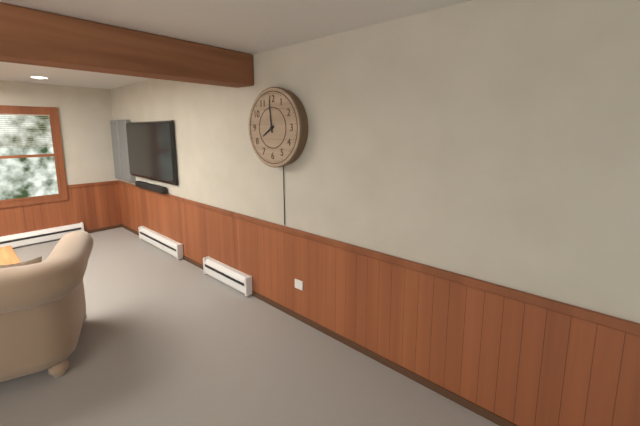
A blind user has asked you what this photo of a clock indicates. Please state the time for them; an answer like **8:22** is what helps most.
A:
**7:59**
